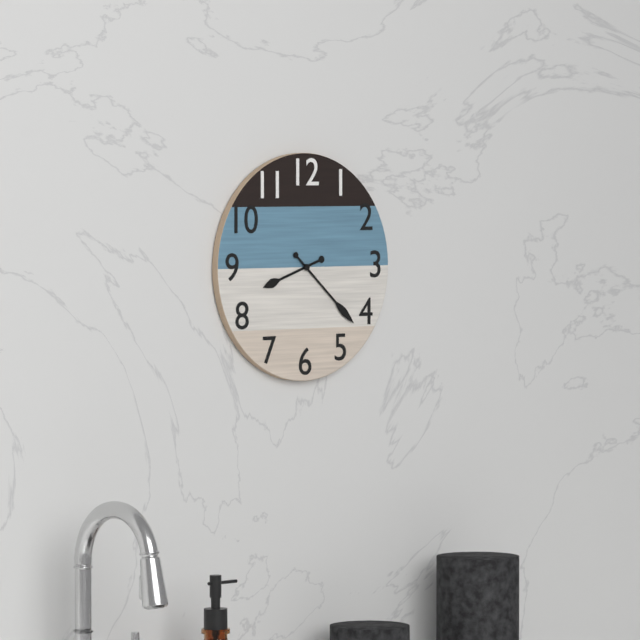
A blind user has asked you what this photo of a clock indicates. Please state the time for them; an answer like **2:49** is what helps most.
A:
**8:22**
